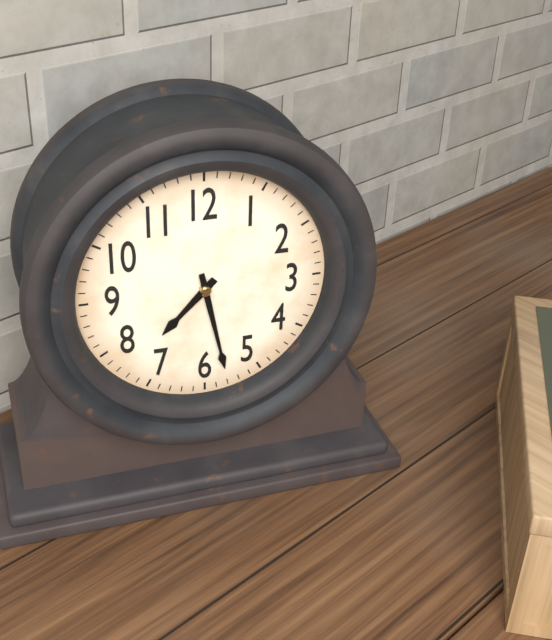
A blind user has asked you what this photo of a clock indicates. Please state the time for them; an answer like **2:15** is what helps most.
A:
**7:28**
